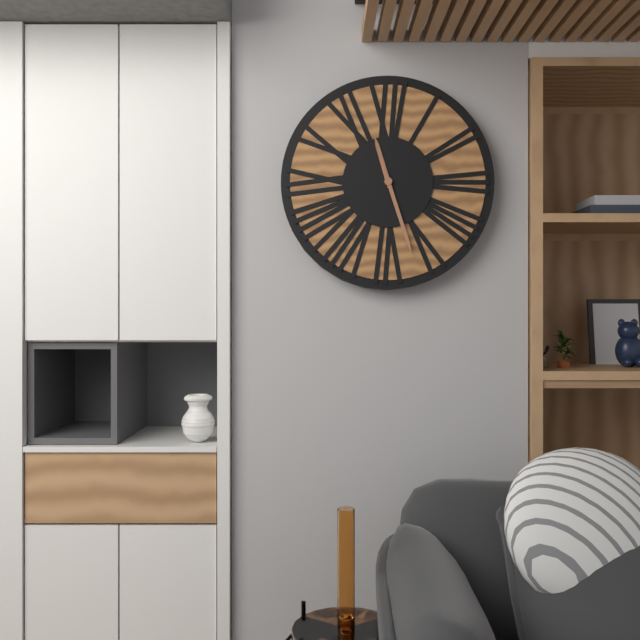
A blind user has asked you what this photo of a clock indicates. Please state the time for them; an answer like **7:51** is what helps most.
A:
**11:27**
